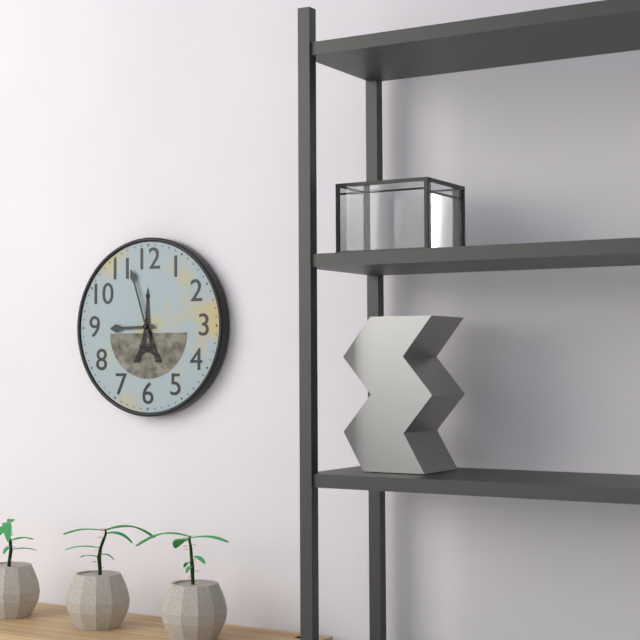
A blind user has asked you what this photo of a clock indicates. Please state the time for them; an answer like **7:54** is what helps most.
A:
**8:57**
